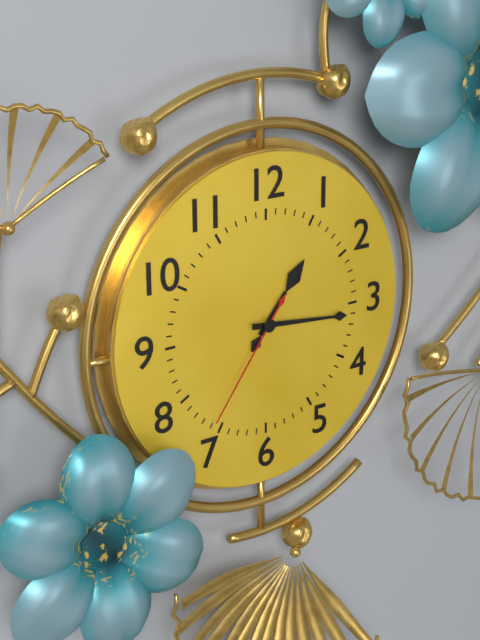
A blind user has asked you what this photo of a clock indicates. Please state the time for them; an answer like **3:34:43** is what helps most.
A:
**1:16:36**
